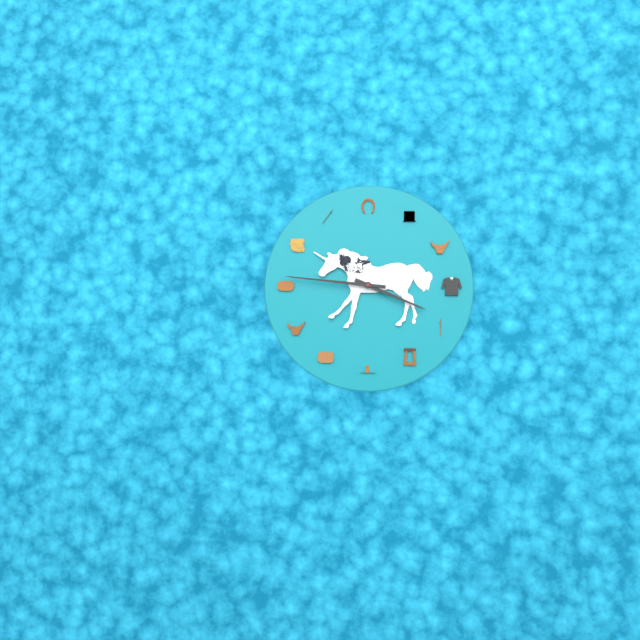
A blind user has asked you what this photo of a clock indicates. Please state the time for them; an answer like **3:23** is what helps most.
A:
**3:46**
